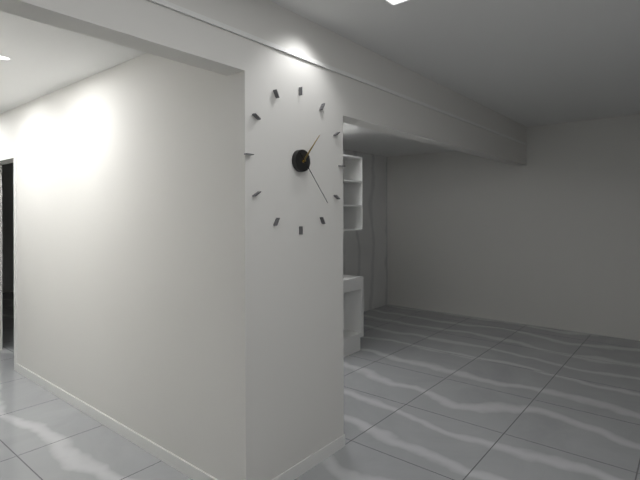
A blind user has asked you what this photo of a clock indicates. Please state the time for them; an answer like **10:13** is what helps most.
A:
**1:23**
